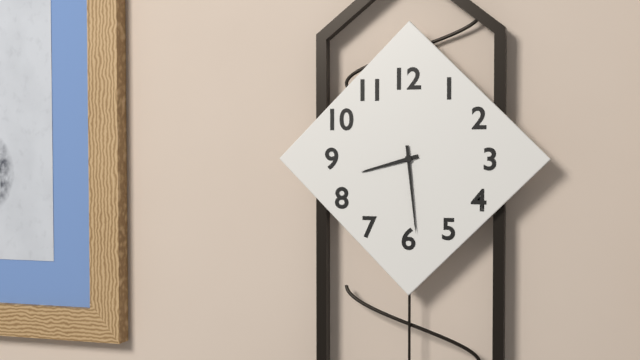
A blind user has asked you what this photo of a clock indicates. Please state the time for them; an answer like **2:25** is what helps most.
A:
**8:29**
